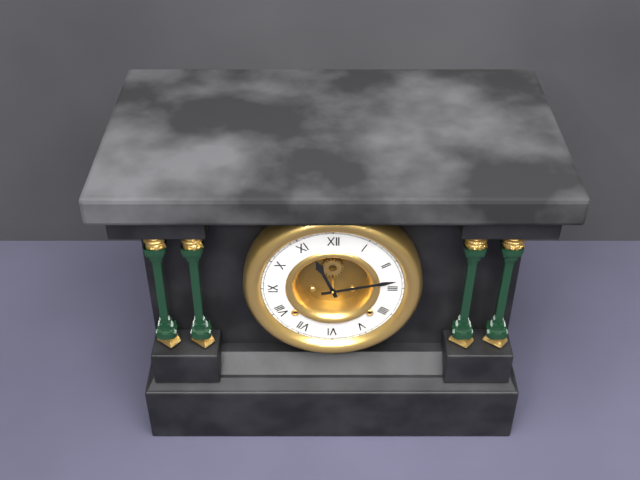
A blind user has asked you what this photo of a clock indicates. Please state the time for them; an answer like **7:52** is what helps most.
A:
**11:13**
